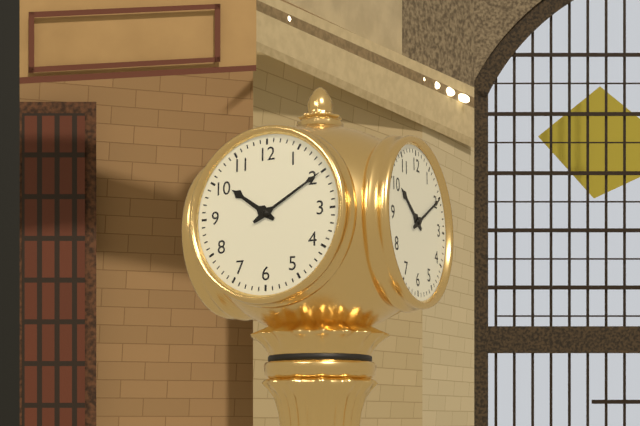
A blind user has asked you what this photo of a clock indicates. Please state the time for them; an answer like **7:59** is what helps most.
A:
**10:10**
